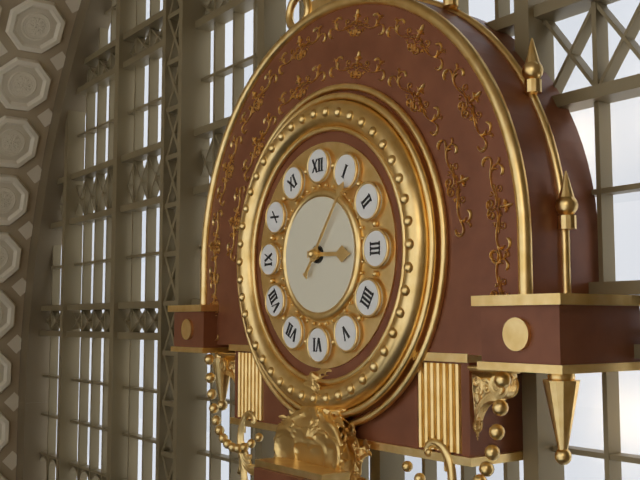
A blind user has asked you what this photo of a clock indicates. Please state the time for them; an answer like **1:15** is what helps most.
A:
**3:06**
